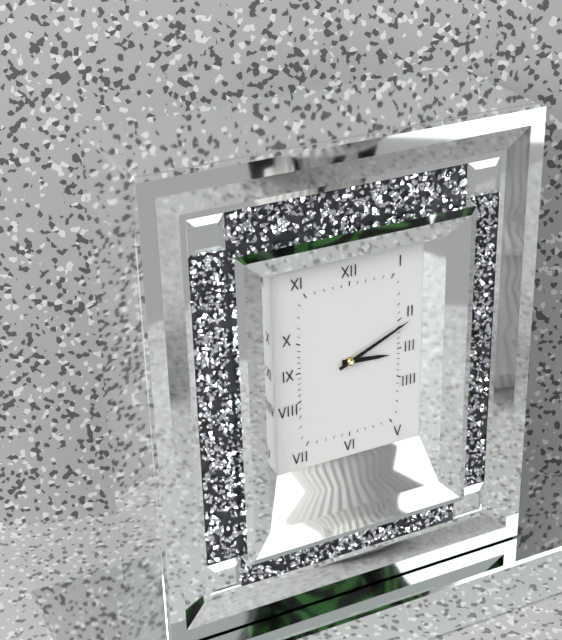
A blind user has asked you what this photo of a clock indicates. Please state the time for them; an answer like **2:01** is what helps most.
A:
**3:11**
